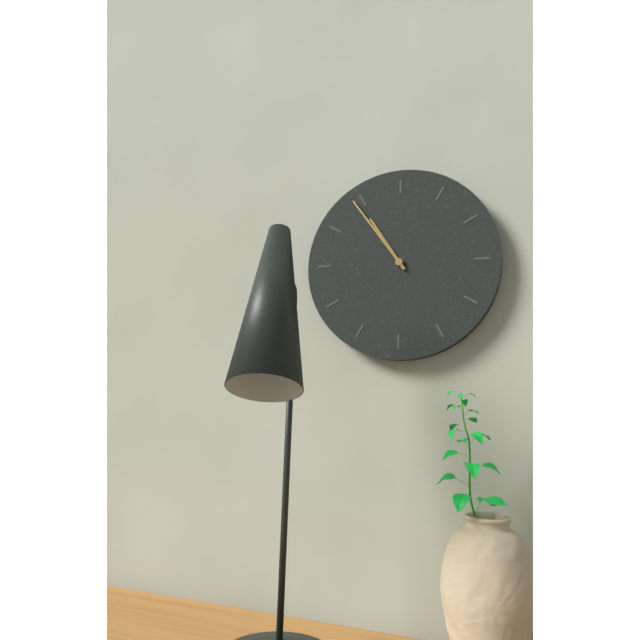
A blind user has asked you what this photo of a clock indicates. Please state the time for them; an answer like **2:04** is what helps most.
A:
**10:54**
